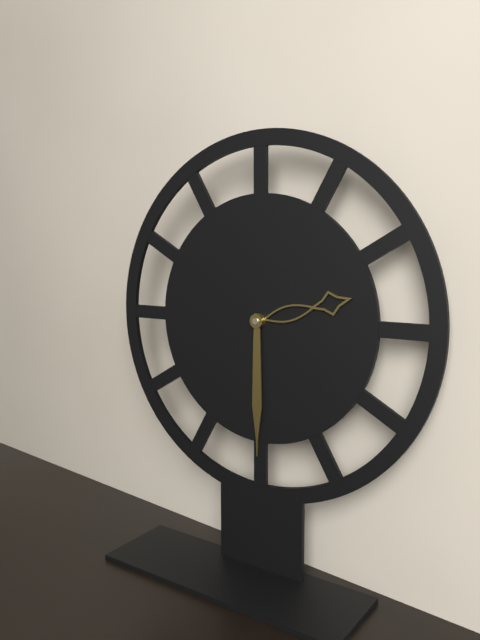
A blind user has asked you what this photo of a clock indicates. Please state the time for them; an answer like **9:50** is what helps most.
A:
**2:30**
